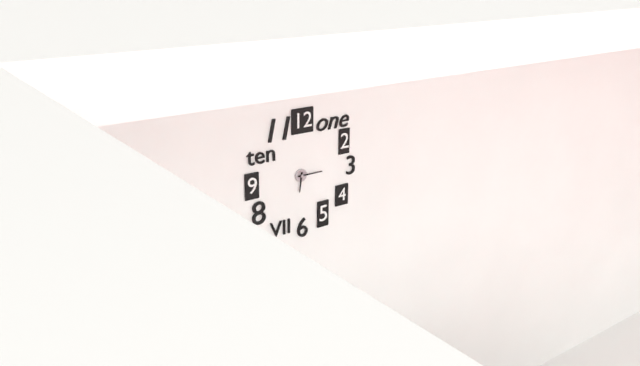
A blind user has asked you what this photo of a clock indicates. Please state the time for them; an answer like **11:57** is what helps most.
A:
**6:15**
